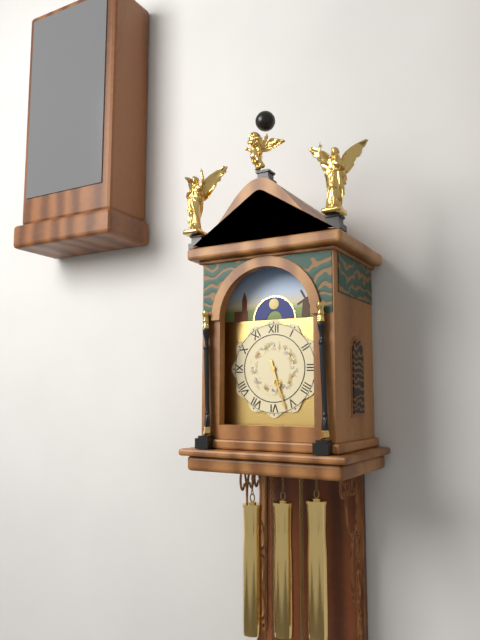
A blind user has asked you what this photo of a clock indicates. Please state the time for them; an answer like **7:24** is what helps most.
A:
**5:27**
